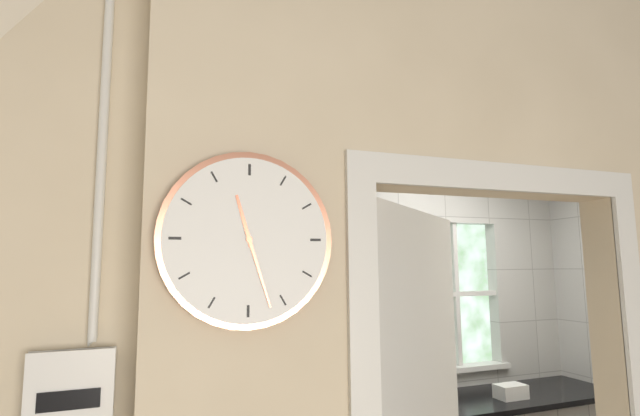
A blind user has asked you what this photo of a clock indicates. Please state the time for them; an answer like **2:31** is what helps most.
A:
**11:27**
